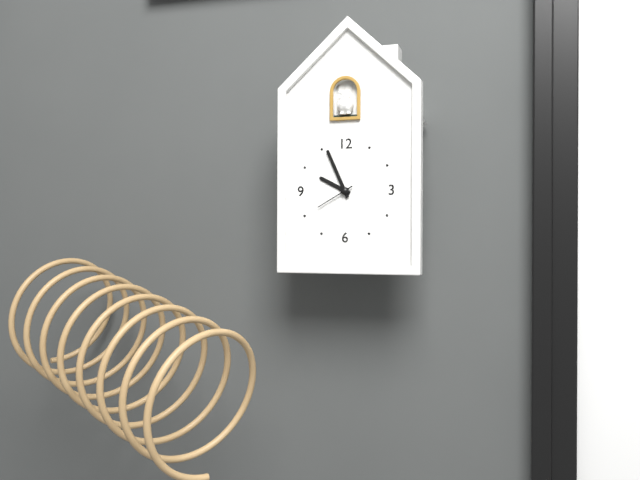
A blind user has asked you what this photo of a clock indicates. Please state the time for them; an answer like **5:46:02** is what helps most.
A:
**9:56:40**
